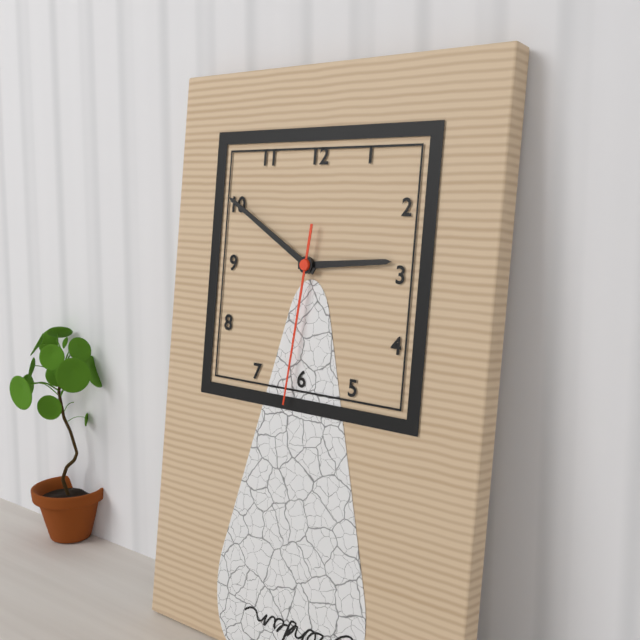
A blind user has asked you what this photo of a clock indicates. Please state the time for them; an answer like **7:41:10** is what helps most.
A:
**2:50:31**
